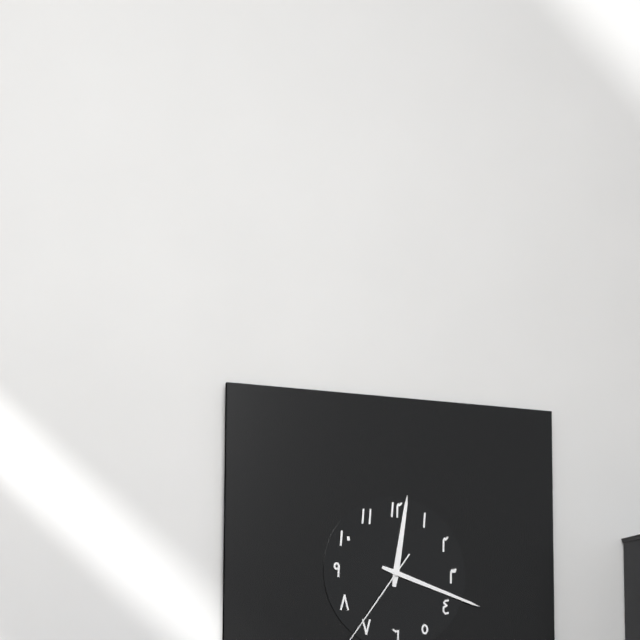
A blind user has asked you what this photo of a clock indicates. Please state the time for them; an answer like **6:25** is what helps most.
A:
**12:18**
